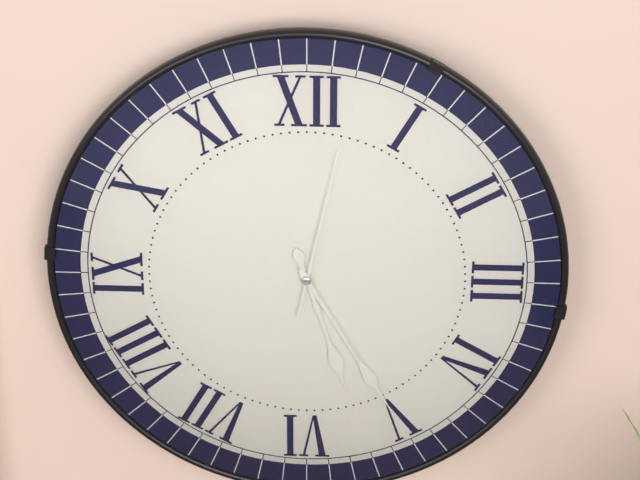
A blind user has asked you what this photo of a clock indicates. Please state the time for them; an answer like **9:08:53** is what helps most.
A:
**5:25:02**
